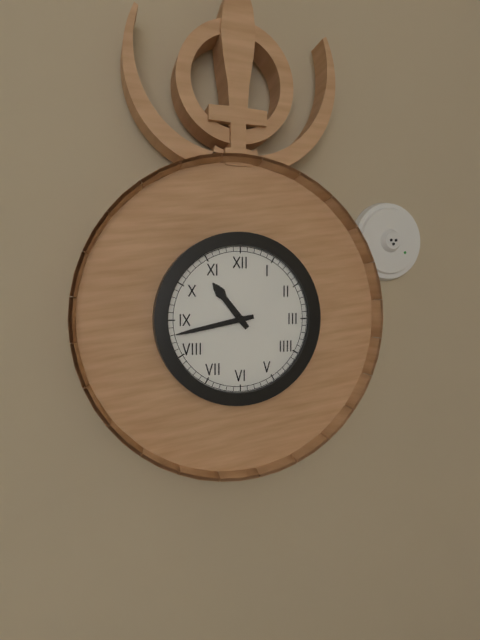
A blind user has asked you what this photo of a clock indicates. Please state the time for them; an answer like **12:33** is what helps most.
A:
**10:43**
